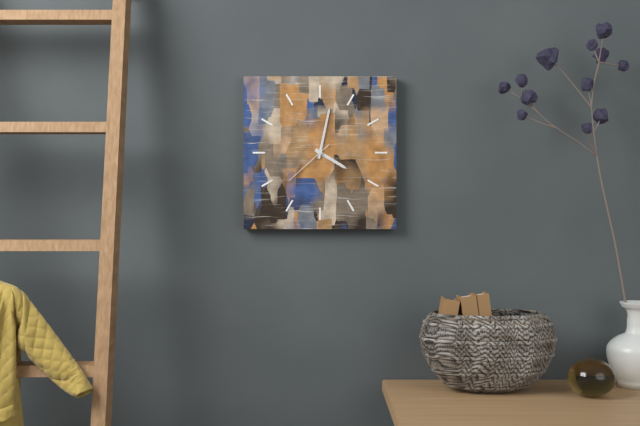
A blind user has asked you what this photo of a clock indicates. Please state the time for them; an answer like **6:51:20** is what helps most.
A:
**4:02:38**
